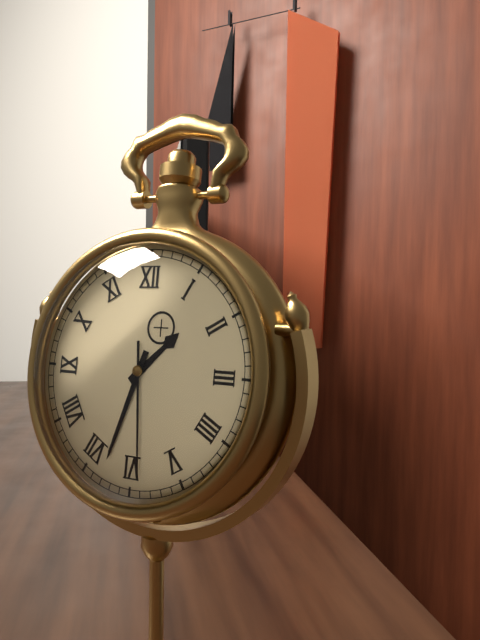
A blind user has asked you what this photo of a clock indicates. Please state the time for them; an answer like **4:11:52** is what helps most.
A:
**1:33:29**
